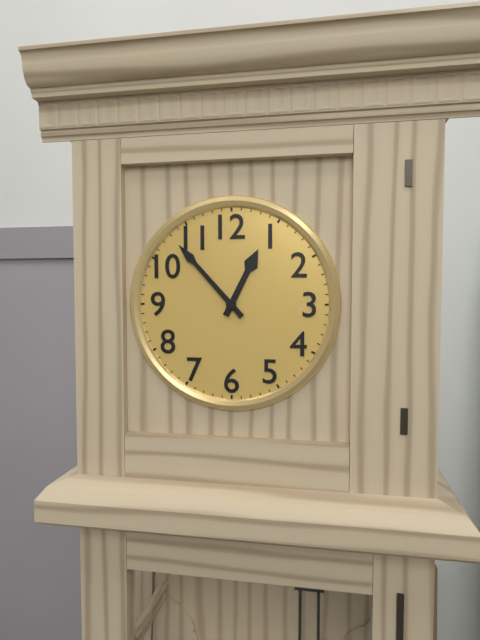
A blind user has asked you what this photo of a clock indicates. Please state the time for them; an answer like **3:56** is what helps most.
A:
**12:53**
